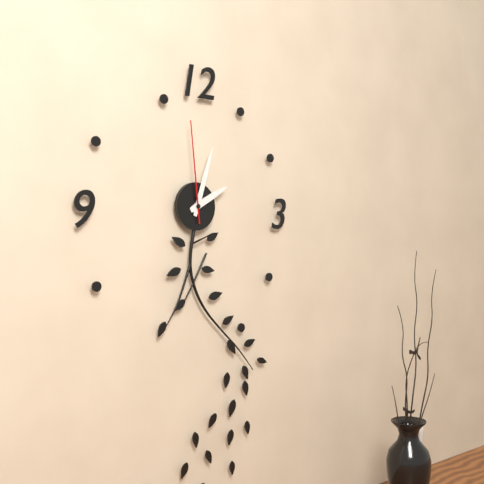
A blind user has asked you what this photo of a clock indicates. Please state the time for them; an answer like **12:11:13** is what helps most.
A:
**2:03:59**
